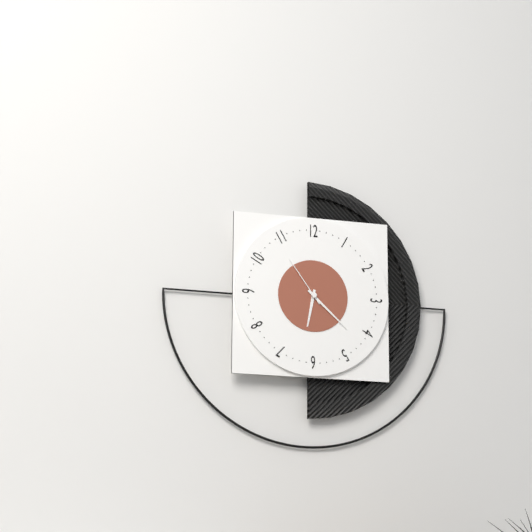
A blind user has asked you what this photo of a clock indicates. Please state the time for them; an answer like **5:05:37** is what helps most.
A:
**6:22:54**
